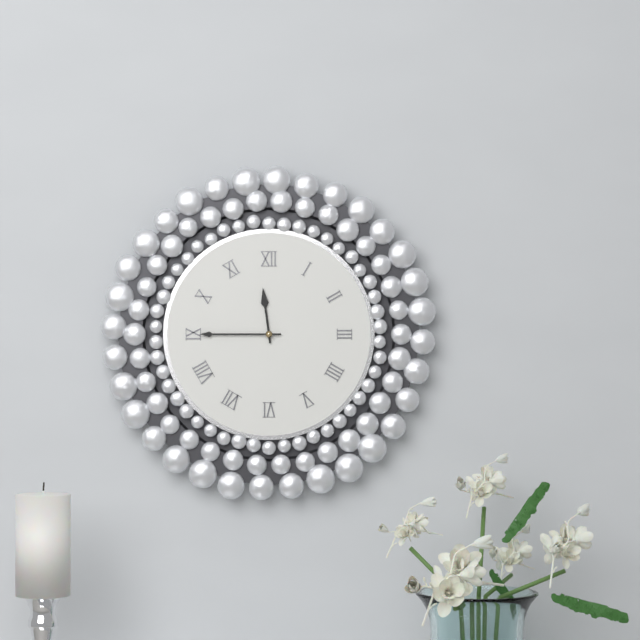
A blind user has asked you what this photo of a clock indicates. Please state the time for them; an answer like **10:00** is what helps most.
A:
**11:45**
